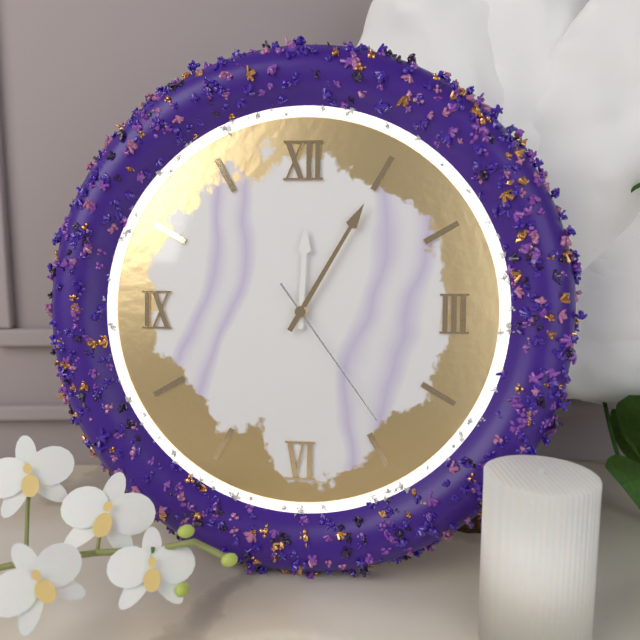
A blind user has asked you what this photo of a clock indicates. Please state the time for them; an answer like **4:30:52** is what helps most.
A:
**12:05:24**
